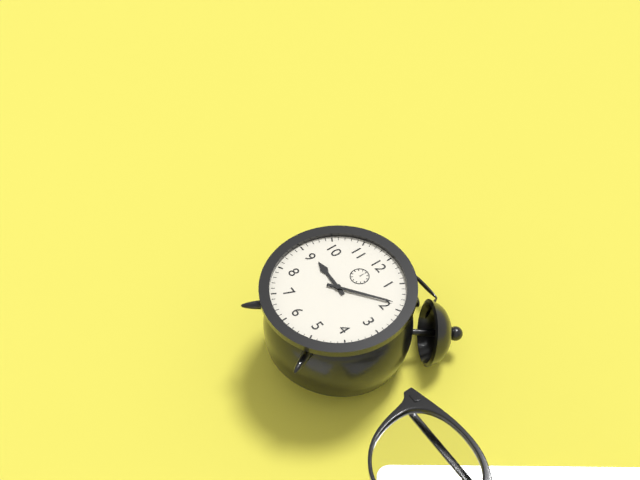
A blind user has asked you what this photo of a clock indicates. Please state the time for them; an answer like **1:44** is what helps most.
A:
**9:09**
